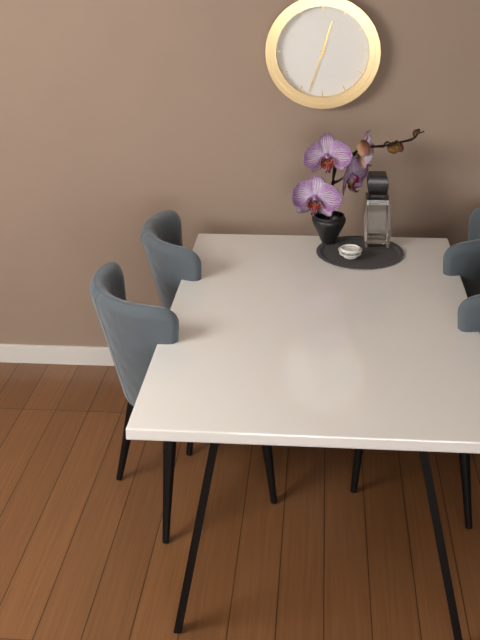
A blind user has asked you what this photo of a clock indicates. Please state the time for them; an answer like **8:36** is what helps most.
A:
**12:33**
